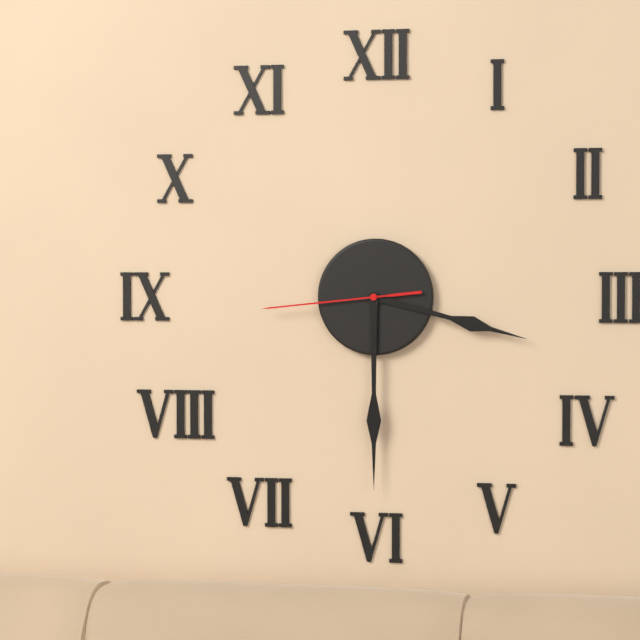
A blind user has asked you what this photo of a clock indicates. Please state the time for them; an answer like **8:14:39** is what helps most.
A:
**3:30:44**
